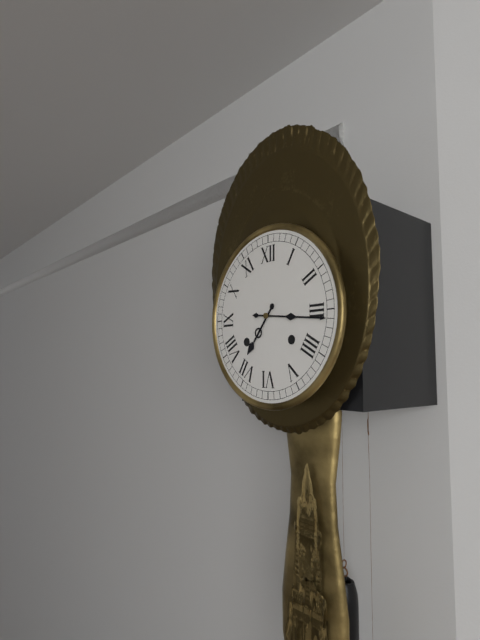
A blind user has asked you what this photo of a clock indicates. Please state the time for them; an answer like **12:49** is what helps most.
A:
**7:16**
